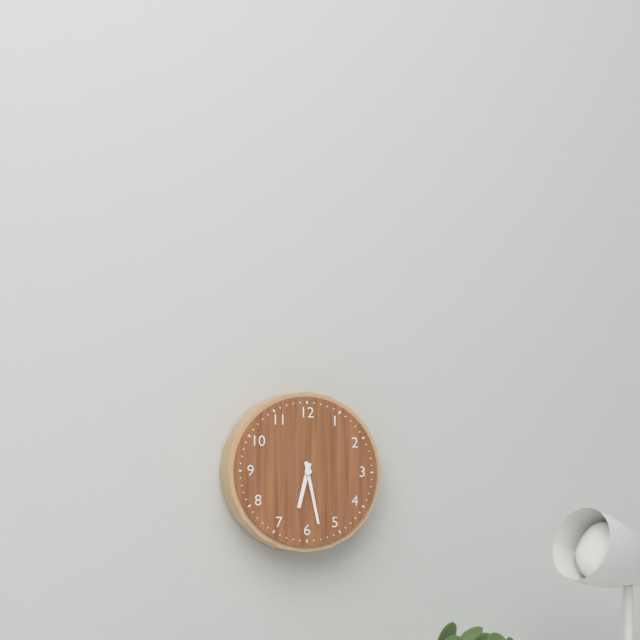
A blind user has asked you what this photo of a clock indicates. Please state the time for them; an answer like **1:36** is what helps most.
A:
**6:28**
